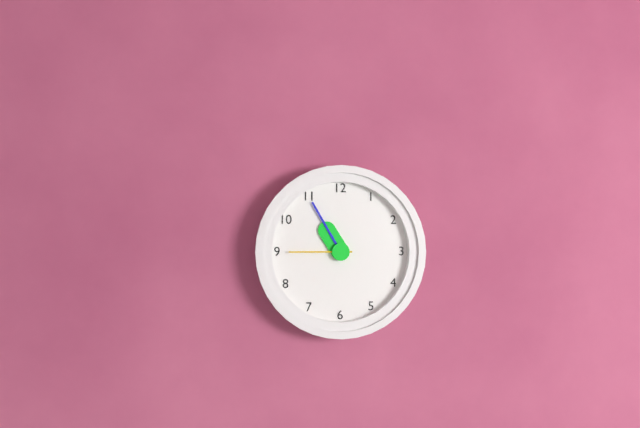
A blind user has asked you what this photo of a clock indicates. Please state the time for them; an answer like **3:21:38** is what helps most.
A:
**10:55:45**
